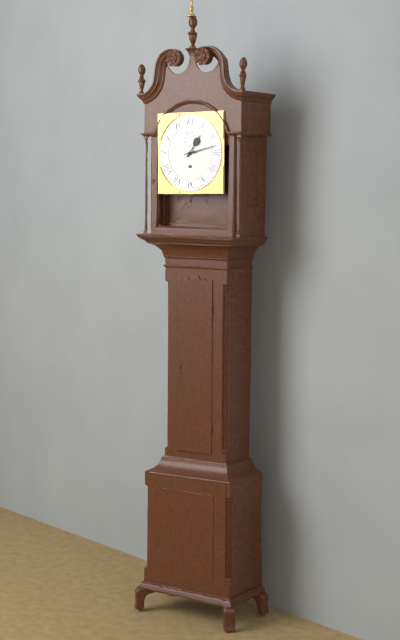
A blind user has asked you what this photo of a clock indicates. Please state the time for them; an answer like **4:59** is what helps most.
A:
**1:13**
